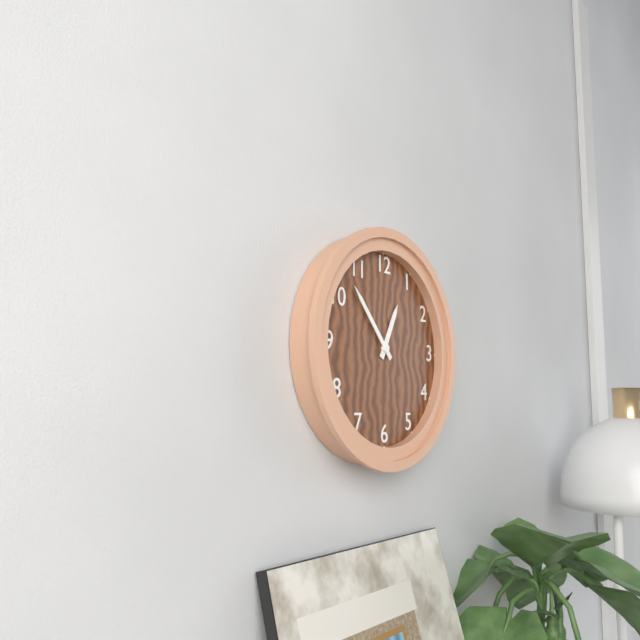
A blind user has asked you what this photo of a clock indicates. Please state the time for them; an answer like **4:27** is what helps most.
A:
**12:53**
